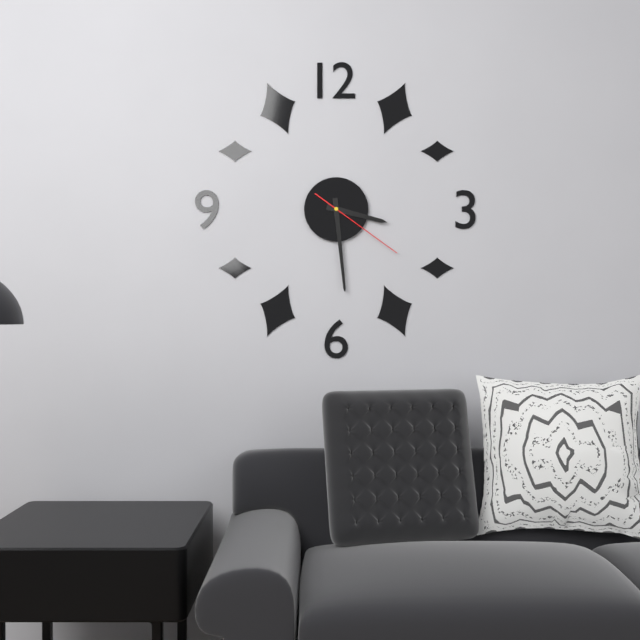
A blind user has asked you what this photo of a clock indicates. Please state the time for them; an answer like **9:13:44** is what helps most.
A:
**3:29:21**
